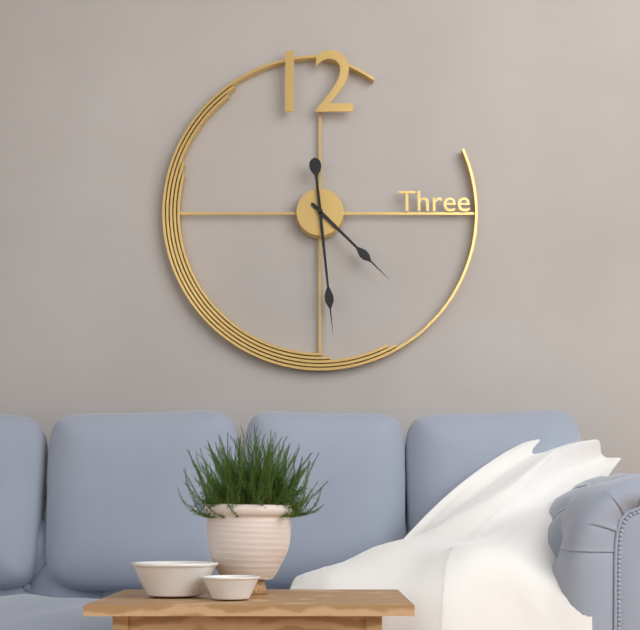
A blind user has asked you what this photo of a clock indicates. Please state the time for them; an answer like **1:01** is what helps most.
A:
**4:29**
